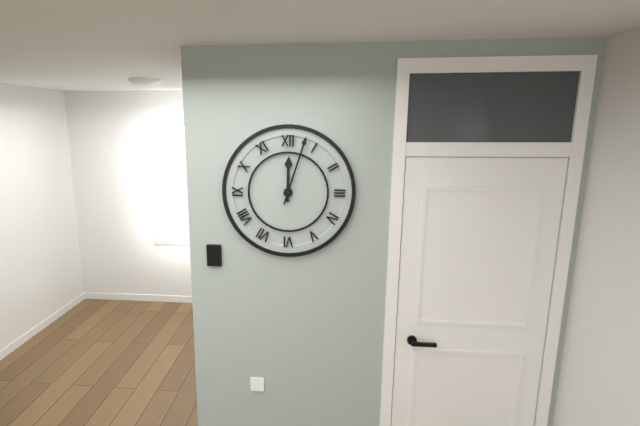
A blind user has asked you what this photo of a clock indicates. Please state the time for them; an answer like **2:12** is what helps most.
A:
**12:03**
